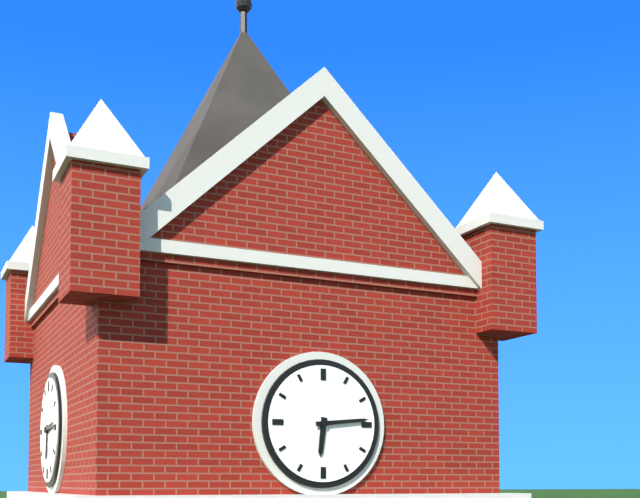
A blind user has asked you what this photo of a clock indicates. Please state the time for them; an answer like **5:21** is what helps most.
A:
**6:14**
